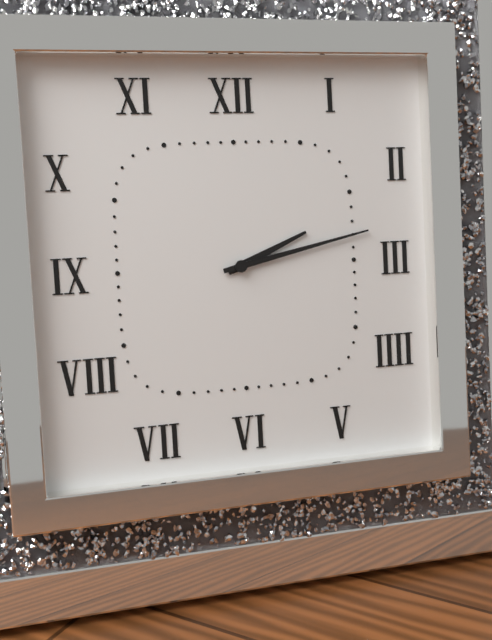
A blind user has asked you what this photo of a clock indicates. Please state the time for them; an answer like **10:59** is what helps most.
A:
**2:13**
